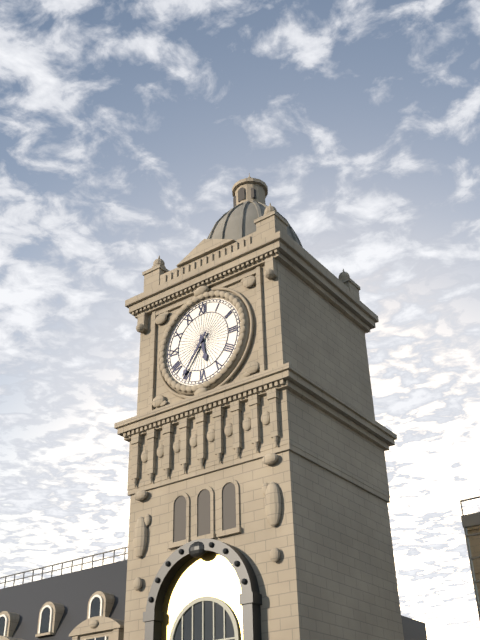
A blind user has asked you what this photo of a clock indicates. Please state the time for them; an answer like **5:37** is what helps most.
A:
**5:36**
